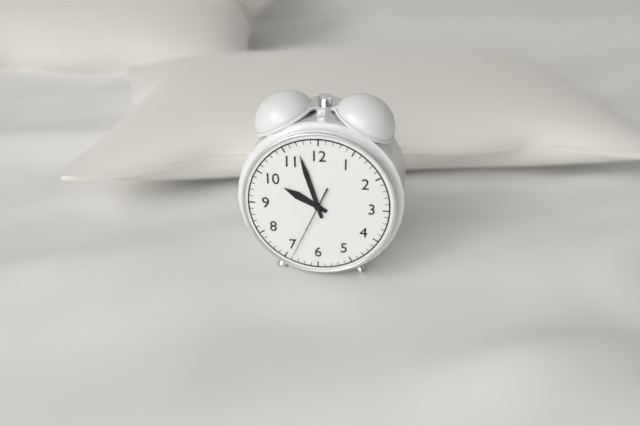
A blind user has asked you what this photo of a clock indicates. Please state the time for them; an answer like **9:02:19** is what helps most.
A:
**9:57:34**
